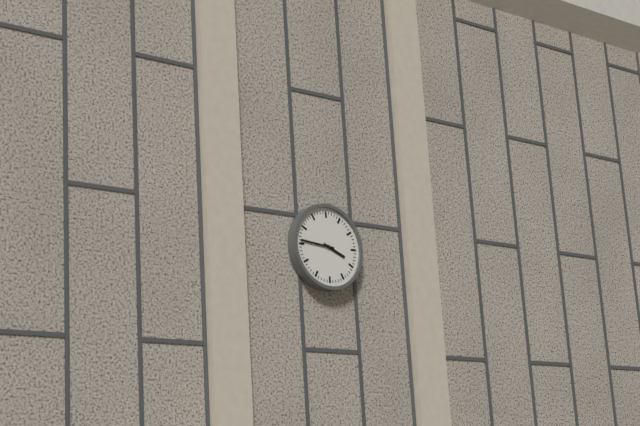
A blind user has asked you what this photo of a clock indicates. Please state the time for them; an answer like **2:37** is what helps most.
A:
**3:46**
